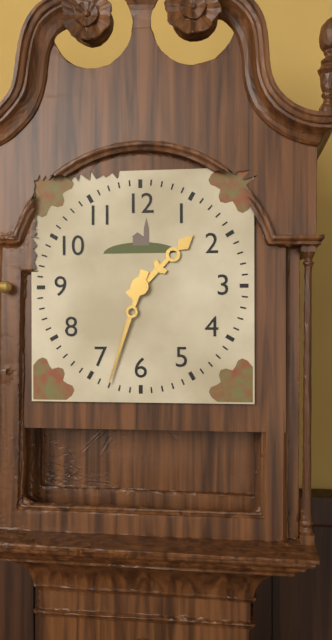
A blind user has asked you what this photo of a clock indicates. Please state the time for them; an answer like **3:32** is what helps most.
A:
**1:33**
